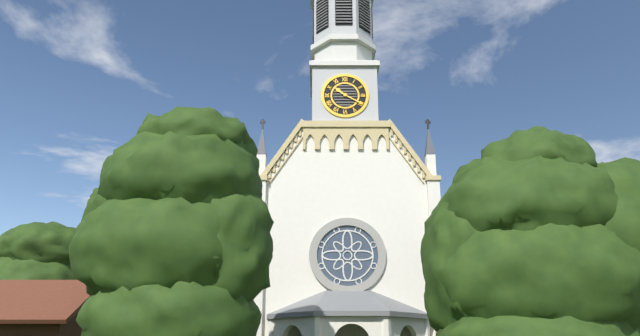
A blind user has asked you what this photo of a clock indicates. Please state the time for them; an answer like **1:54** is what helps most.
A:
**10:20**
